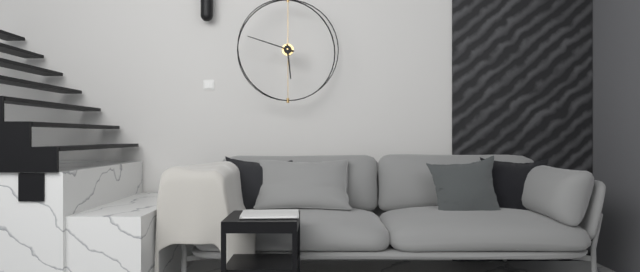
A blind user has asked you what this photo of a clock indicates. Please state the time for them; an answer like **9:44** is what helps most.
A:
**5:48**
